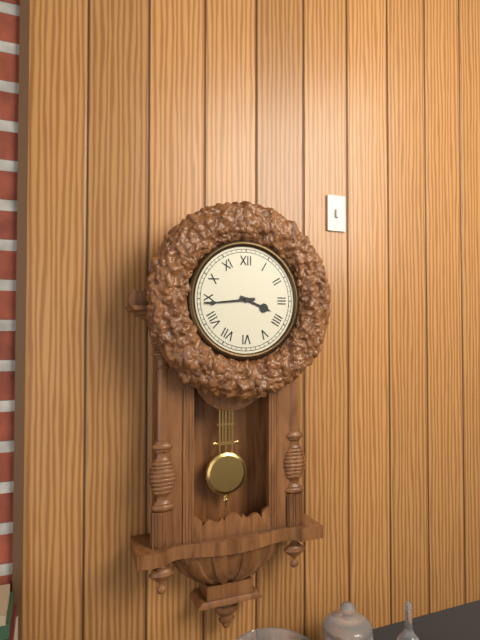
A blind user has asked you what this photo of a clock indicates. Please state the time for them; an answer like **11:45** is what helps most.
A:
**3:44**
